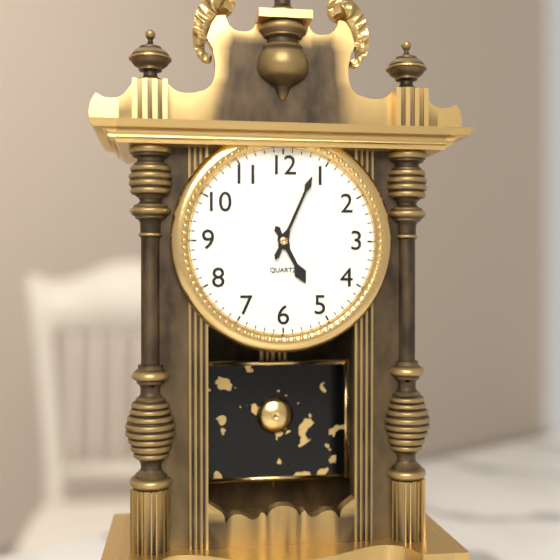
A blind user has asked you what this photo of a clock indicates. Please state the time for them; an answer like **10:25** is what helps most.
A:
**5:04**
